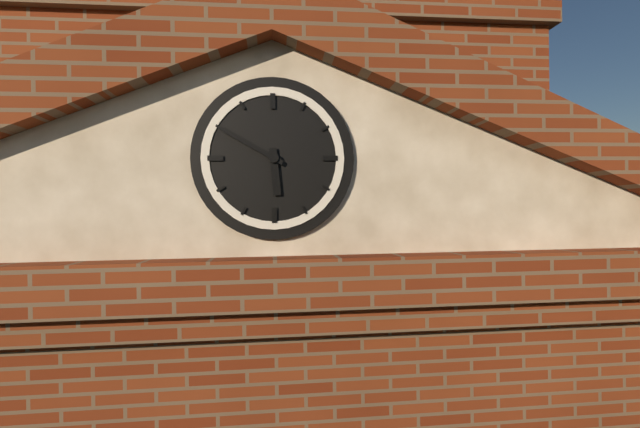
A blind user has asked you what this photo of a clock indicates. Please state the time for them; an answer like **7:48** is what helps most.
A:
**5:50**
